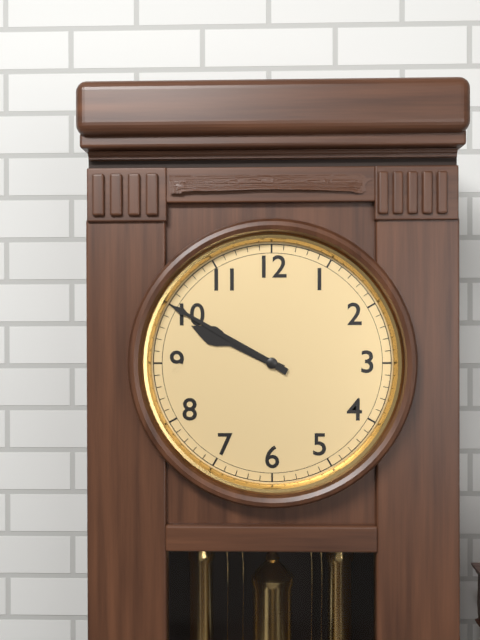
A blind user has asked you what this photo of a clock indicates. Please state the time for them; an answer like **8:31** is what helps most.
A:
**9:50**
